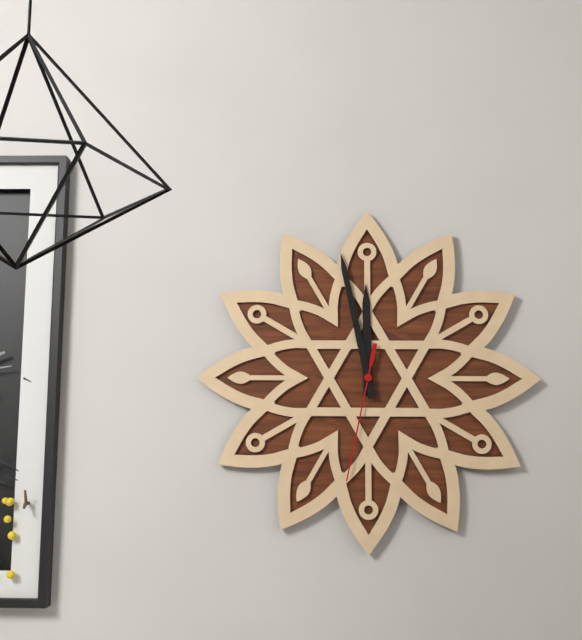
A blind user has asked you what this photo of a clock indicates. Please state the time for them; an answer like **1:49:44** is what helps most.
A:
**11:58:32**
